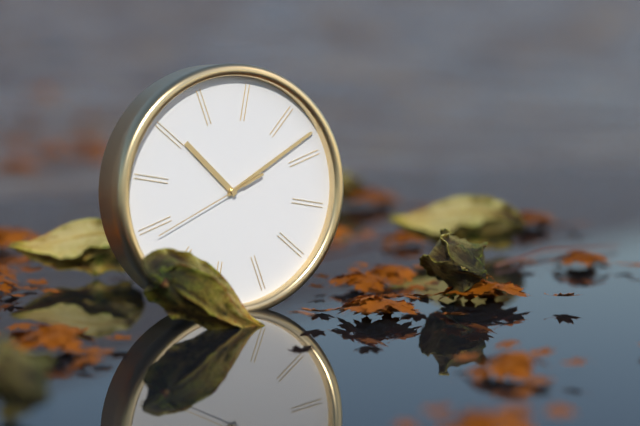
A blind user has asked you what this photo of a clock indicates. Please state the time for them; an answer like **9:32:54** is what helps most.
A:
**10:08:39**
